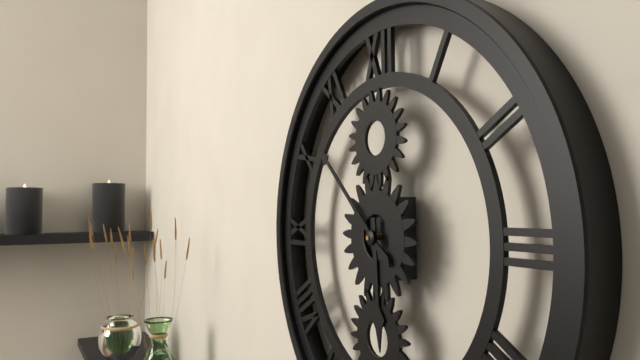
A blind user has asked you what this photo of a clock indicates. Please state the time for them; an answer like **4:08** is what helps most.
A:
**5:52**
